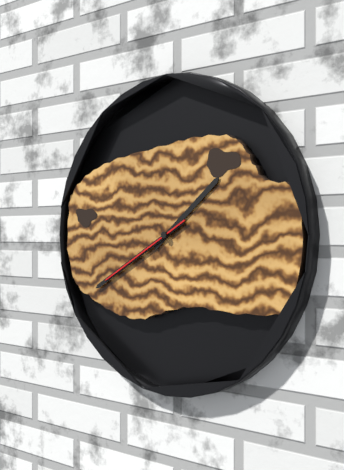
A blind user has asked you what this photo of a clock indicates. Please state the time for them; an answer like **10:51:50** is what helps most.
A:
**1:40:40**
